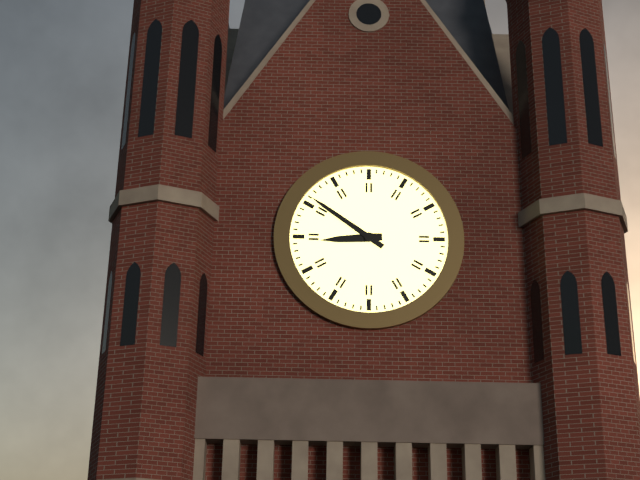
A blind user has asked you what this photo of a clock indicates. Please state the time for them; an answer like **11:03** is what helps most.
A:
**8:51**
